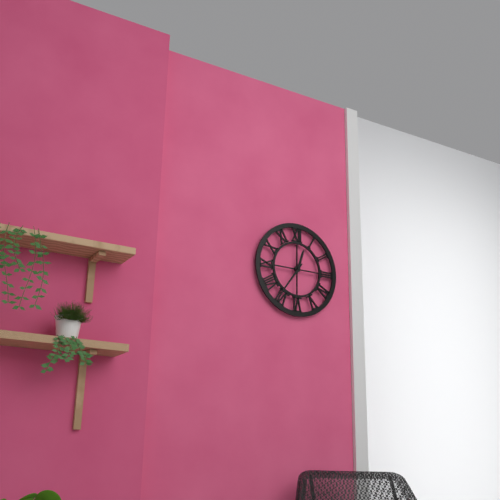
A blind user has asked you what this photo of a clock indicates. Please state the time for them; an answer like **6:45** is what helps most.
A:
**12:36**
